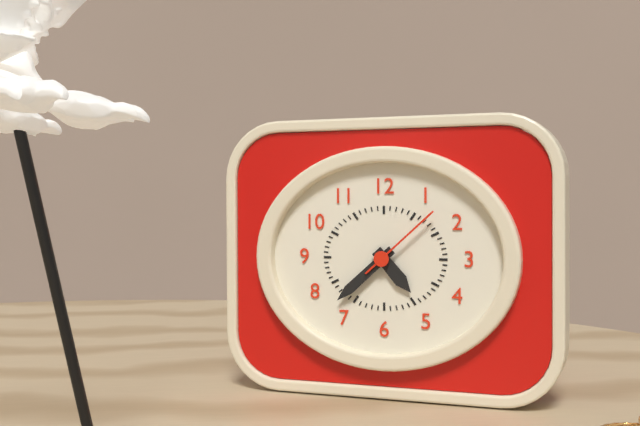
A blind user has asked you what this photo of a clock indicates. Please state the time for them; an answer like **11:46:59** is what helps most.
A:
**4:38:08**
